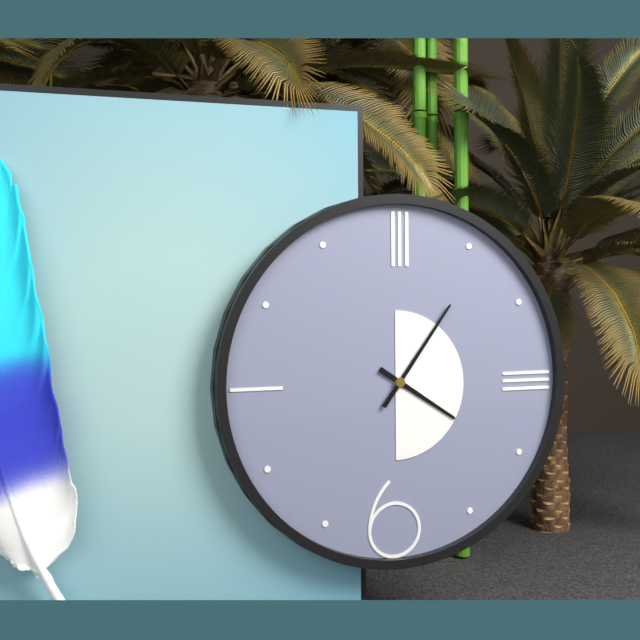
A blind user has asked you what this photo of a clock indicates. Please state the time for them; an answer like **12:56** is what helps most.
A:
**4:06**
